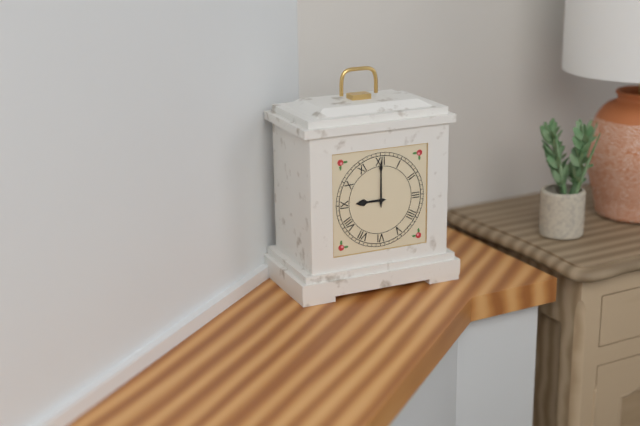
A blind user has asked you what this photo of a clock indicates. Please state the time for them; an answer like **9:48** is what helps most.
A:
**9:00**
